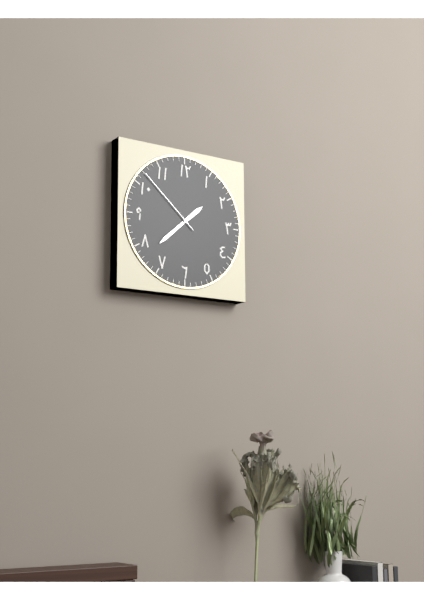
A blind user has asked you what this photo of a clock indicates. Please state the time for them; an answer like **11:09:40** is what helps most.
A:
**1:38:52**
